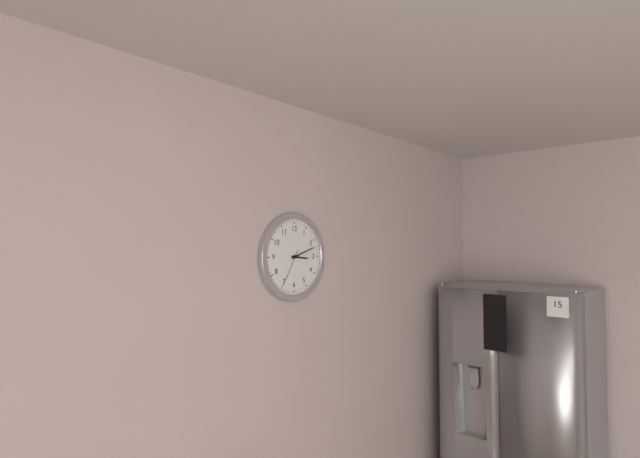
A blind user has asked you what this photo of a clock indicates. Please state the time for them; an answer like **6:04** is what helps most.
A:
**3:12**
